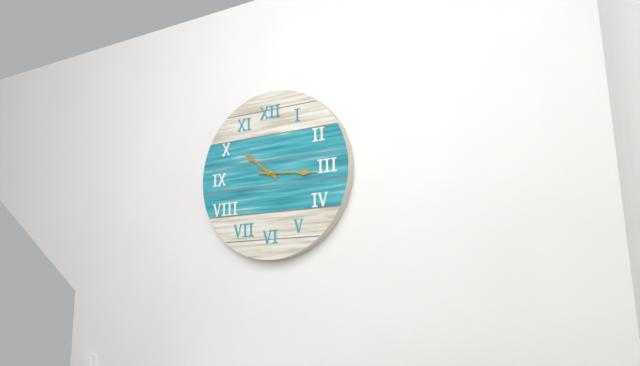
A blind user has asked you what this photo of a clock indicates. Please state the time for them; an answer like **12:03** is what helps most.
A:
**10:16**
